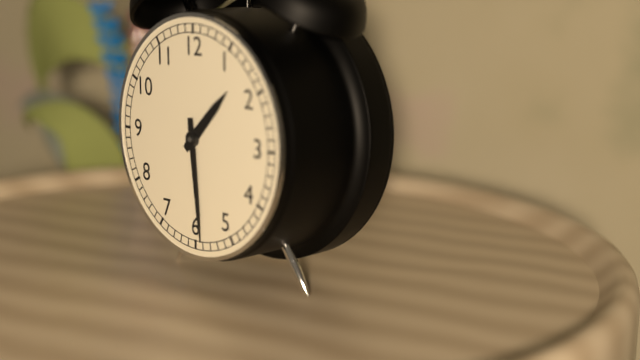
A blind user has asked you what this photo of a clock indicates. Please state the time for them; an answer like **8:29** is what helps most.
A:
**1:29**
